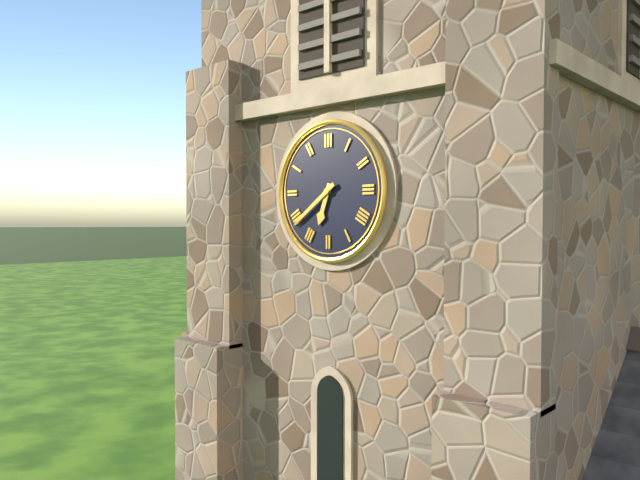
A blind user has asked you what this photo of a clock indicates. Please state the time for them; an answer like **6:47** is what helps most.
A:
**6:39**
